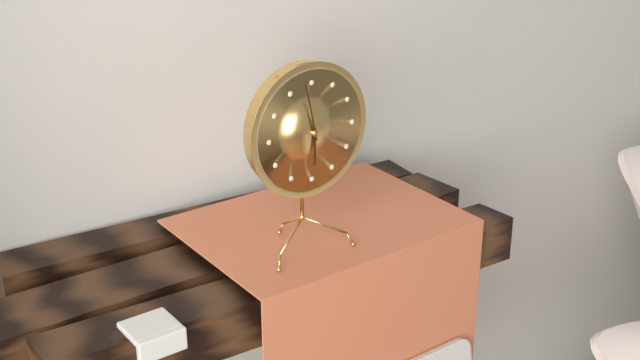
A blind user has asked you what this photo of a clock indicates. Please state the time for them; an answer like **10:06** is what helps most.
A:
**5:58**
